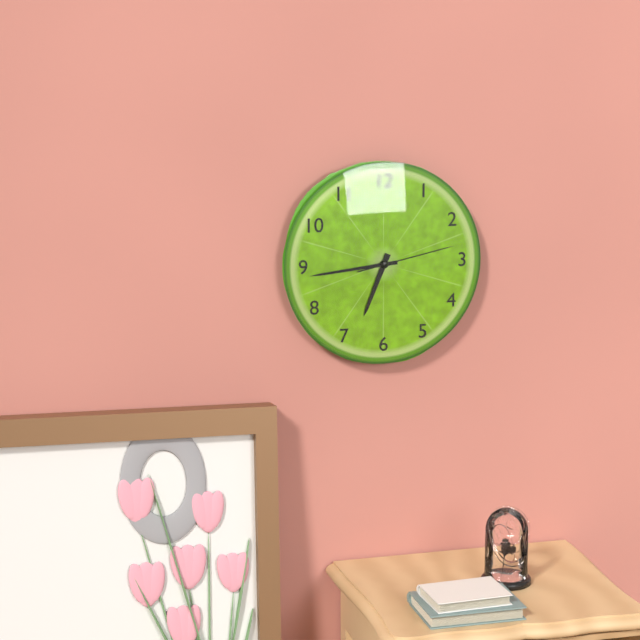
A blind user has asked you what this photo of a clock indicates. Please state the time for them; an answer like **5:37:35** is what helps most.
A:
**6:44:13**
